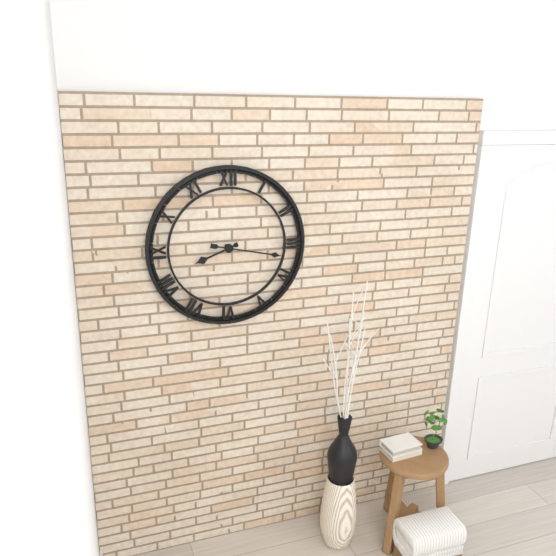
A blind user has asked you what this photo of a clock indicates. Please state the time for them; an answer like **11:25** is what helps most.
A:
**8:17**
